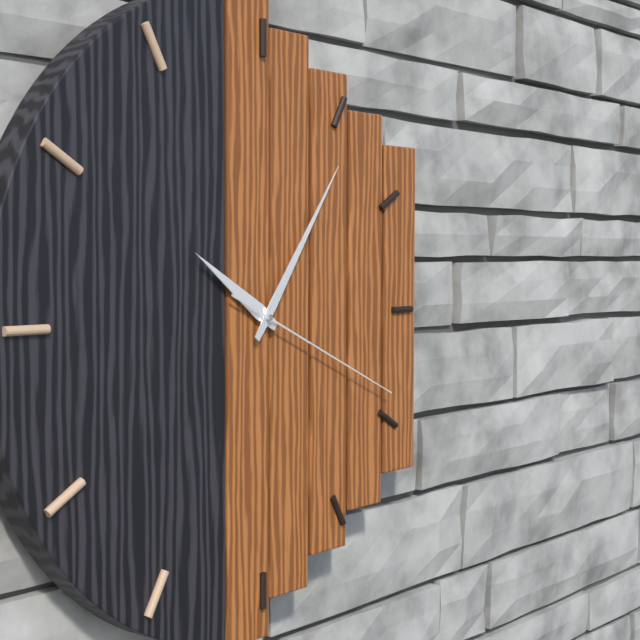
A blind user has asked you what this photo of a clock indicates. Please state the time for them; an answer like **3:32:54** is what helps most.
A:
**10:06:19**
